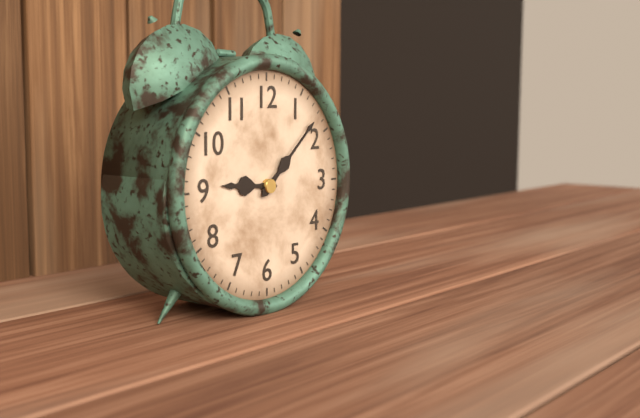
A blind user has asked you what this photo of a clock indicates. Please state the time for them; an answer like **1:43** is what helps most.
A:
**9:08**
